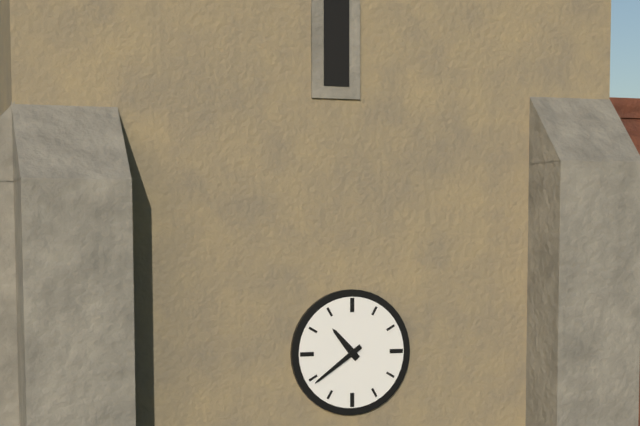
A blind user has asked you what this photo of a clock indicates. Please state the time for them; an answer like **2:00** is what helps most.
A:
**10:39**
